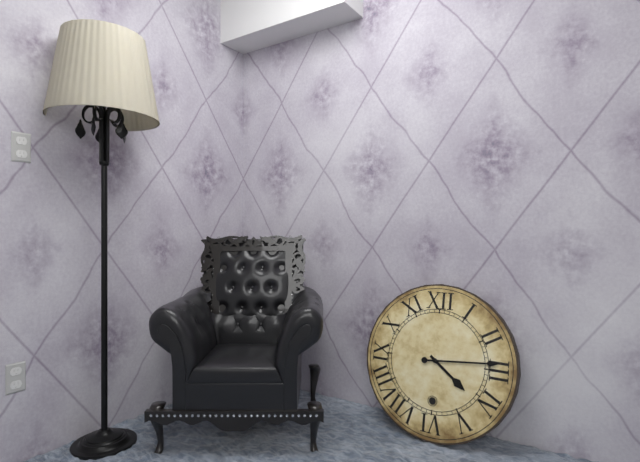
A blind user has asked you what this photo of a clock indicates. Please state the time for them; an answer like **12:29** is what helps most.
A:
**4:14**
